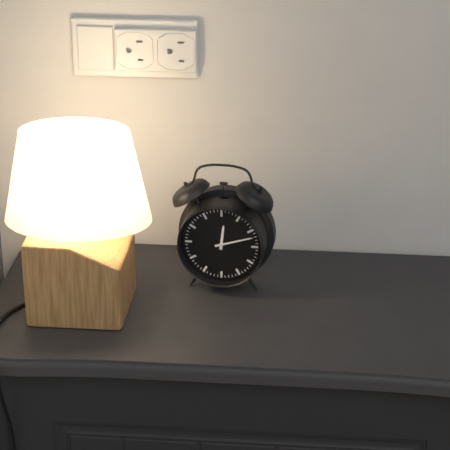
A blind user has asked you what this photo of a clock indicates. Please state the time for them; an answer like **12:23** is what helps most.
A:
**12:12**
